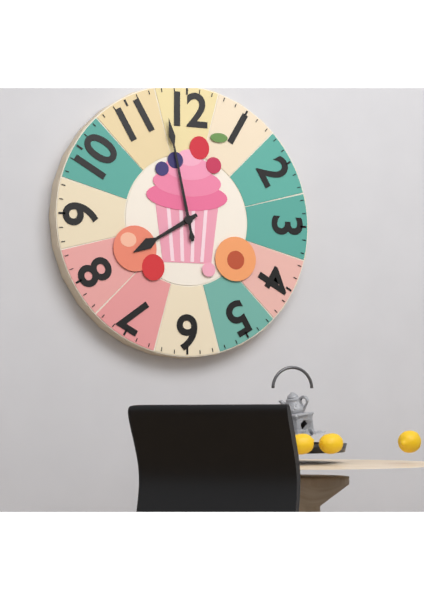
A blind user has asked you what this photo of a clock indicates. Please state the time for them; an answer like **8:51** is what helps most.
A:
**7:58**
